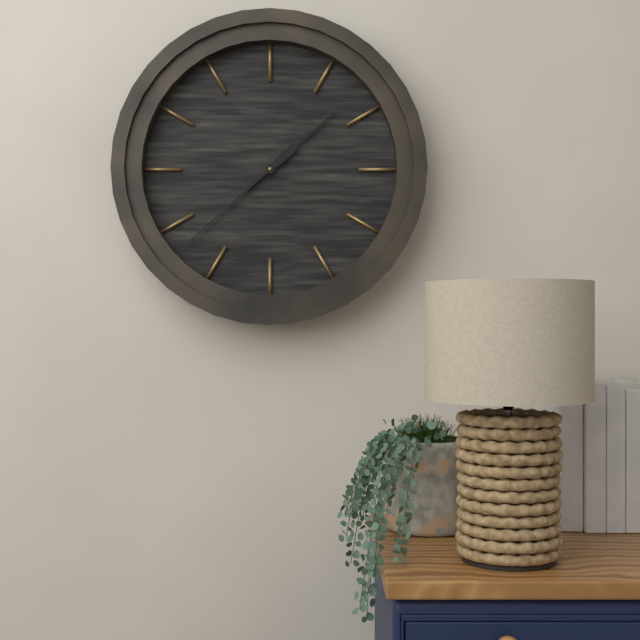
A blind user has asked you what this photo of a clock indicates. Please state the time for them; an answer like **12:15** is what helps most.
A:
**1:38**
